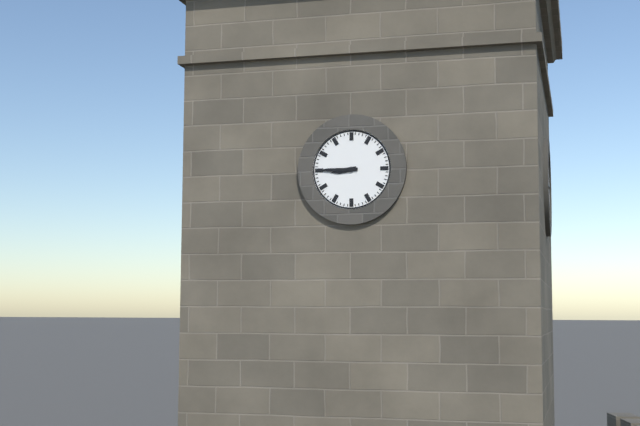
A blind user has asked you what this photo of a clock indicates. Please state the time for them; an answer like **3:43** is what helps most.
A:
**8:45**
